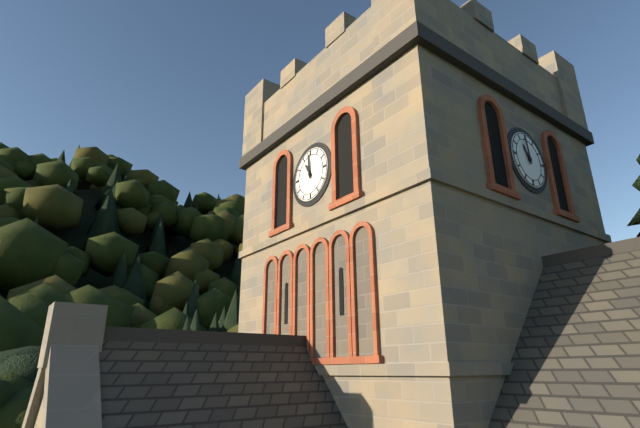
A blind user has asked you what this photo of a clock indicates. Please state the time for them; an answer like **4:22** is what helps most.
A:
**10:59**
